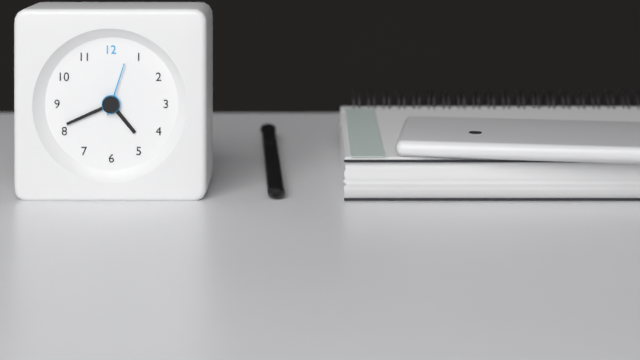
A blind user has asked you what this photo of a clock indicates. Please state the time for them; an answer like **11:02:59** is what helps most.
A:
**4:41:03**
